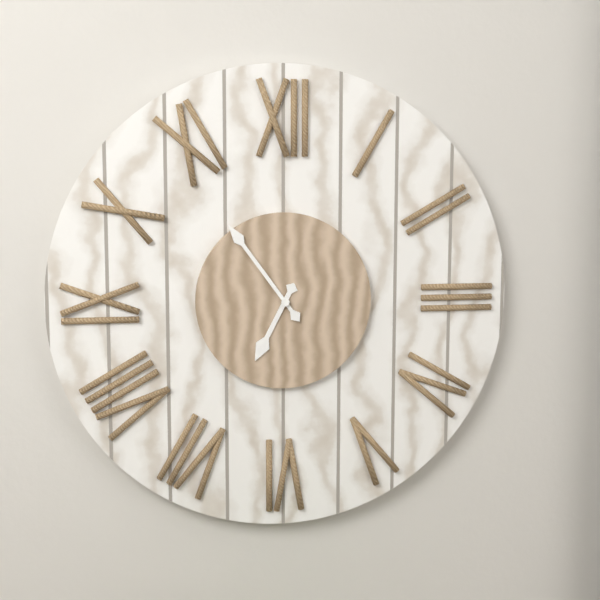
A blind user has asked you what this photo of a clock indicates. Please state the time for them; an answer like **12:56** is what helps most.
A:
**6:54**
